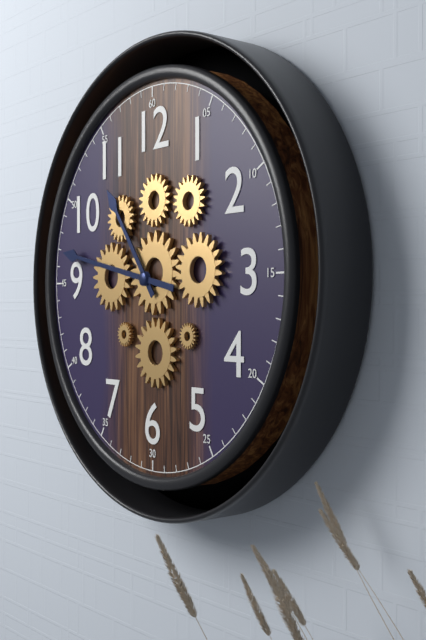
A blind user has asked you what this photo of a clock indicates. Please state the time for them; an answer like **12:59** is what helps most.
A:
**10:47**
